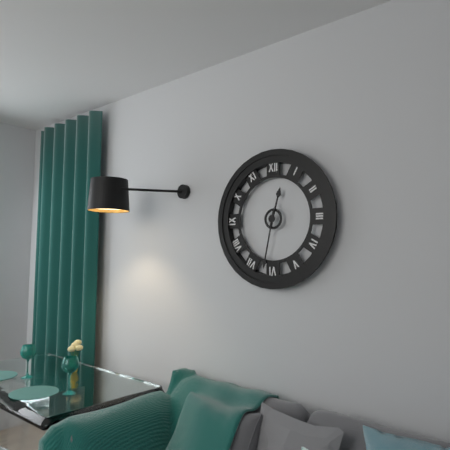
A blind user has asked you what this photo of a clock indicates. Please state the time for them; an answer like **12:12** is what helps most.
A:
**12:32**
